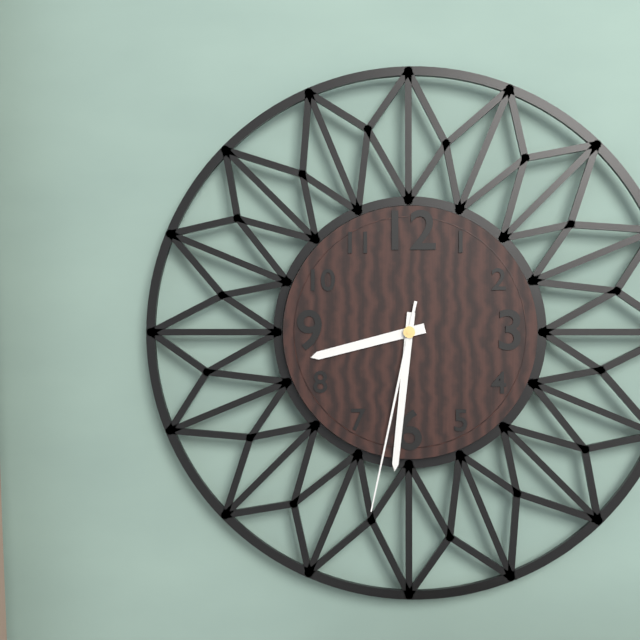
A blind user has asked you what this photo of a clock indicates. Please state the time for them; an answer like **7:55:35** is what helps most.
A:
**8:31:32**
